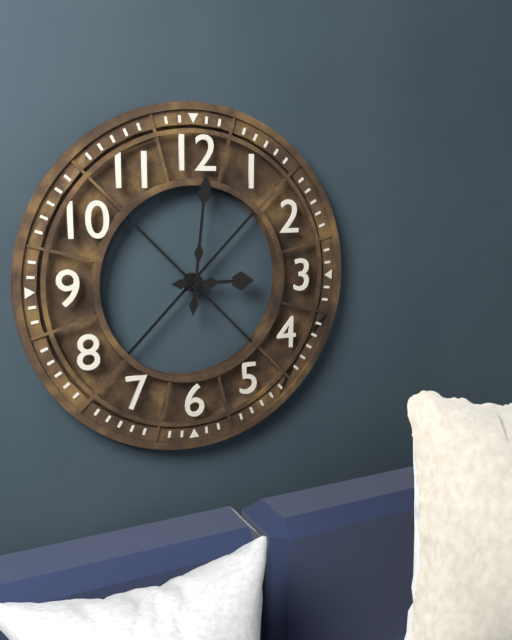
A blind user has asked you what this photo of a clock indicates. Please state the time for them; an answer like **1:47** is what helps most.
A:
**3:01**
